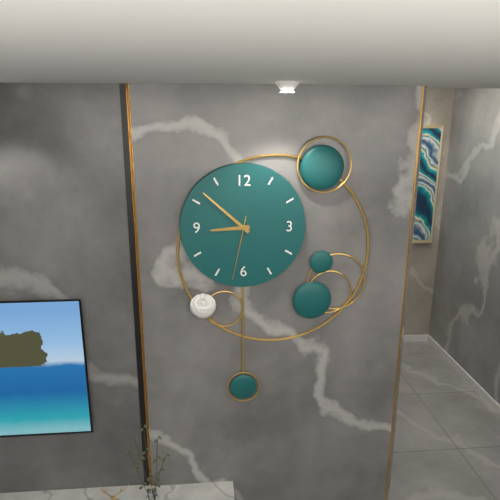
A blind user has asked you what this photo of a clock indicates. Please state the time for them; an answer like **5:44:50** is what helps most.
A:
**8:52:32**
